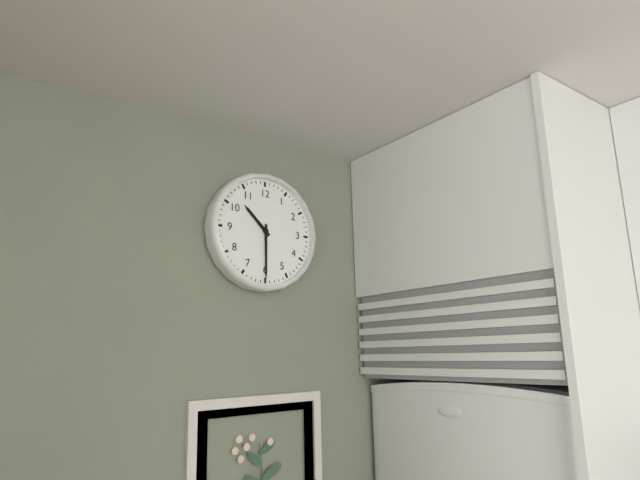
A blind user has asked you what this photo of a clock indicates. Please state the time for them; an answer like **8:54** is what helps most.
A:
**10:30**
